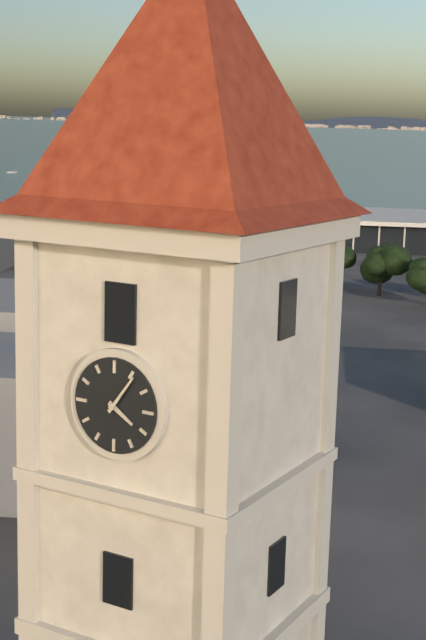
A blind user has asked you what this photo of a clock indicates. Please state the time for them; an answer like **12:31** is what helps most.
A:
**4:06**
